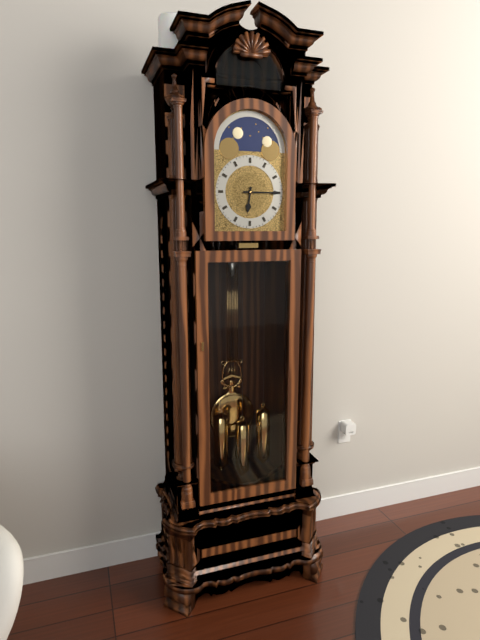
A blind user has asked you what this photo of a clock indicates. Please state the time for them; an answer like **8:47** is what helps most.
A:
**6:15**
